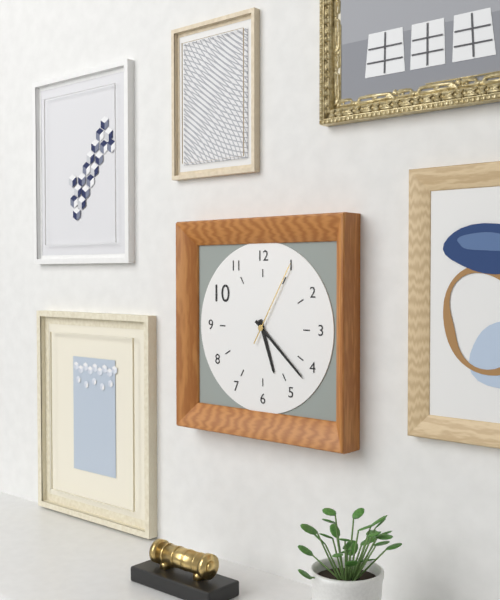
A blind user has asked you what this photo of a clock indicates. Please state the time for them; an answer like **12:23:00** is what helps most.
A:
**5:22:05**
